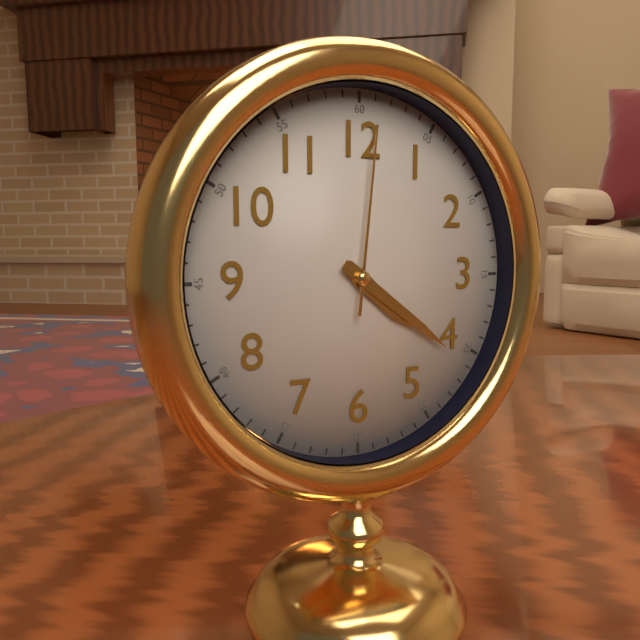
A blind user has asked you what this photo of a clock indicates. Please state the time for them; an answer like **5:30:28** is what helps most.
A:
**4:21:01**
